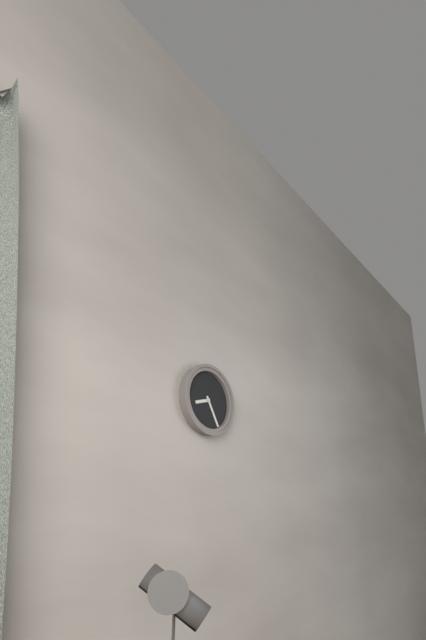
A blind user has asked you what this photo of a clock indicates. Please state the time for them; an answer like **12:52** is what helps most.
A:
**8:25**
